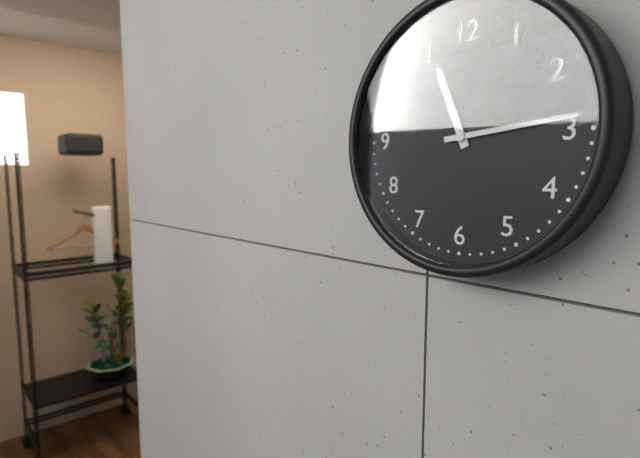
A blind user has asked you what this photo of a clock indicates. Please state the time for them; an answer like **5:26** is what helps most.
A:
**11:14**
